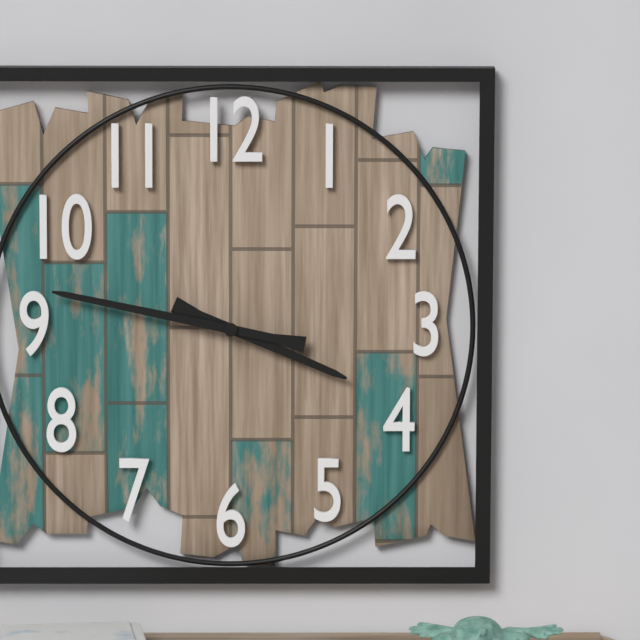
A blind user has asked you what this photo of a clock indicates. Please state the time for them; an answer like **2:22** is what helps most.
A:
**3:47**
